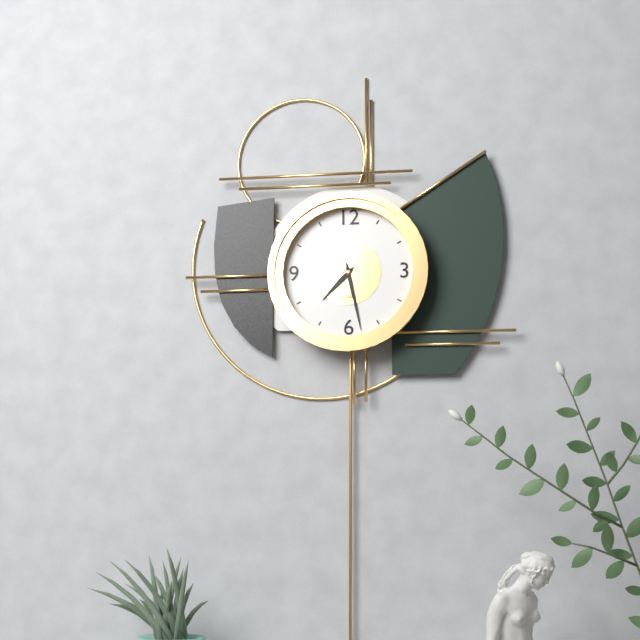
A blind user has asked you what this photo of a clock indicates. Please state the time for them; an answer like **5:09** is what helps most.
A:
**7:28**
